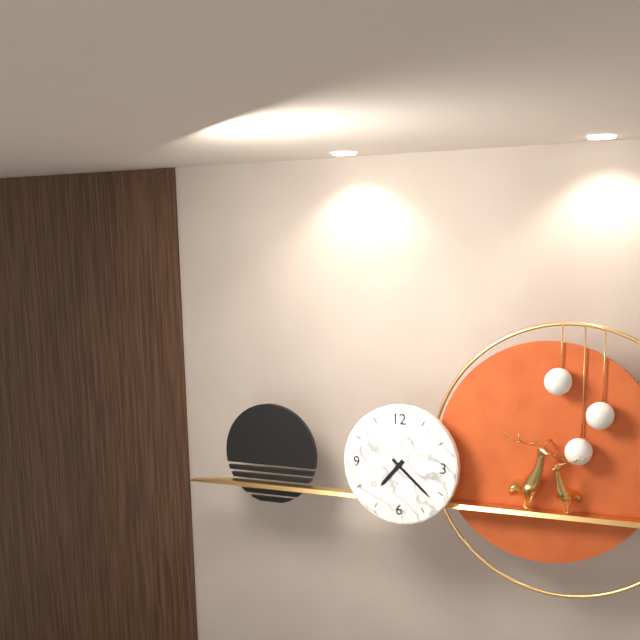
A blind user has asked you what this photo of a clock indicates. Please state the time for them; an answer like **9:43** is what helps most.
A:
**7:22**
